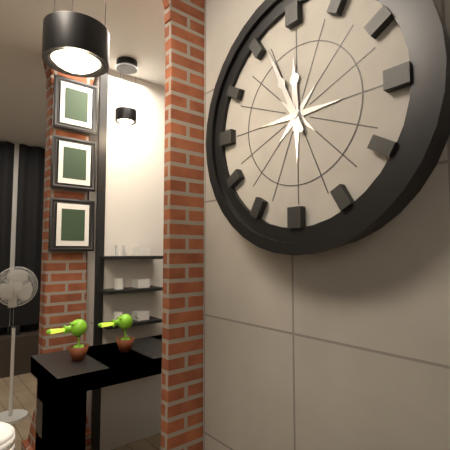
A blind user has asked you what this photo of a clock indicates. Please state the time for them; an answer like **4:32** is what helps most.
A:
**11:56**
